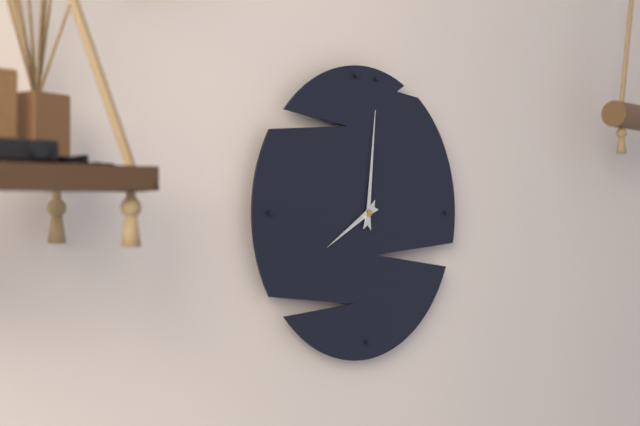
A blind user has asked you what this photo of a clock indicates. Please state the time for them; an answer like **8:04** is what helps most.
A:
**8:01**
